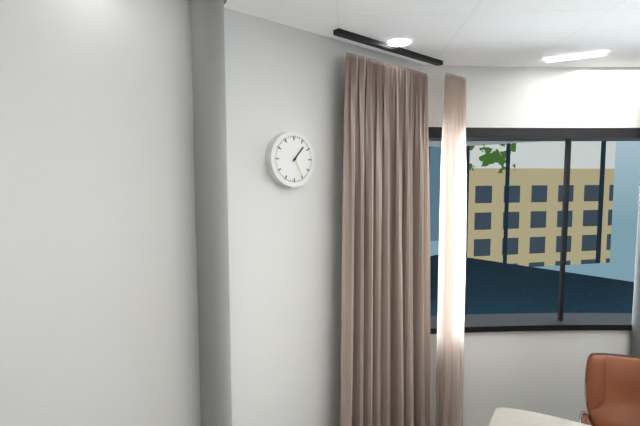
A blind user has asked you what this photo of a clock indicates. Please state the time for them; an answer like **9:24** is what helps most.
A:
**1:25**
